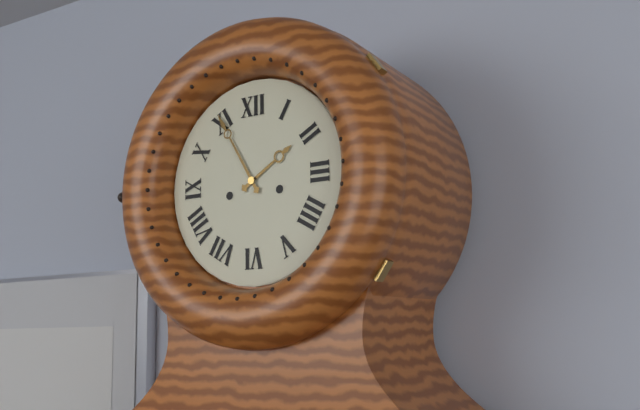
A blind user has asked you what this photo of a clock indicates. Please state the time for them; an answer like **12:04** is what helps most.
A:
**1:55**
